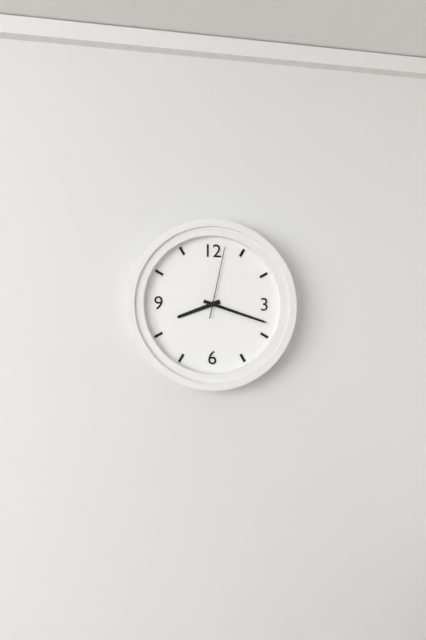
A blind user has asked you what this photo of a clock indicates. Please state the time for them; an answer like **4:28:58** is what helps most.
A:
**8:18:02**
